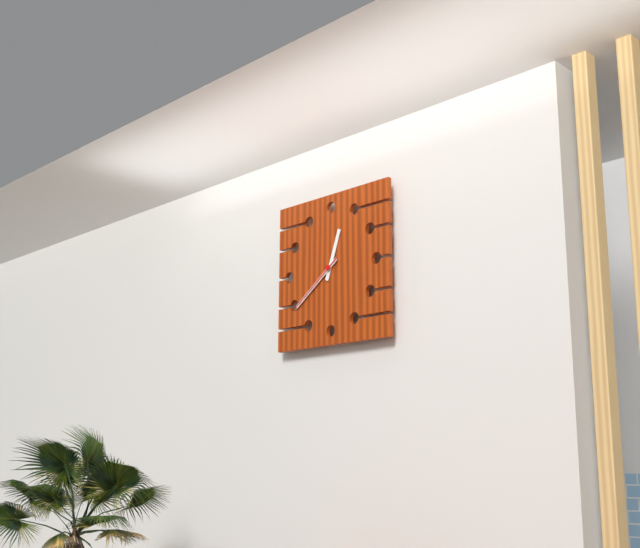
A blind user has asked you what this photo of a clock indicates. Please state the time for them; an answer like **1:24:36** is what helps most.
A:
**12:39:39**
